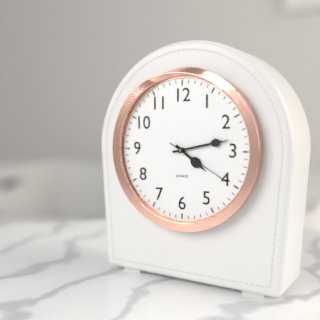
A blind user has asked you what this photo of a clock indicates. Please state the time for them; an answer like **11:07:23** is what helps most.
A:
**4:13:20**
